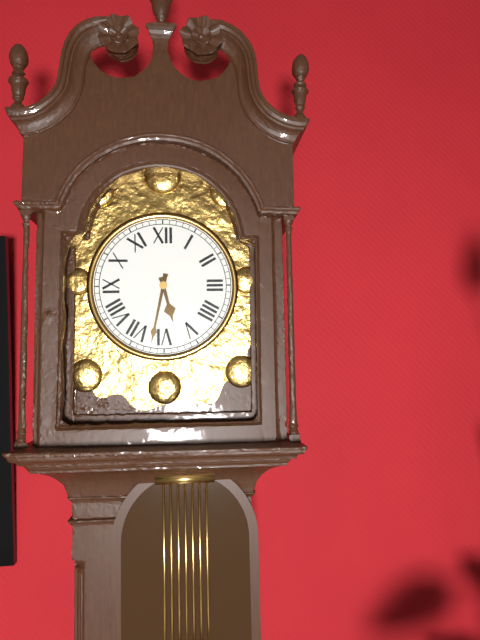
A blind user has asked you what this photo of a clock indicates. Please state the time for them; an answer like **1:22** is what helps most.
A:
**5:32**
